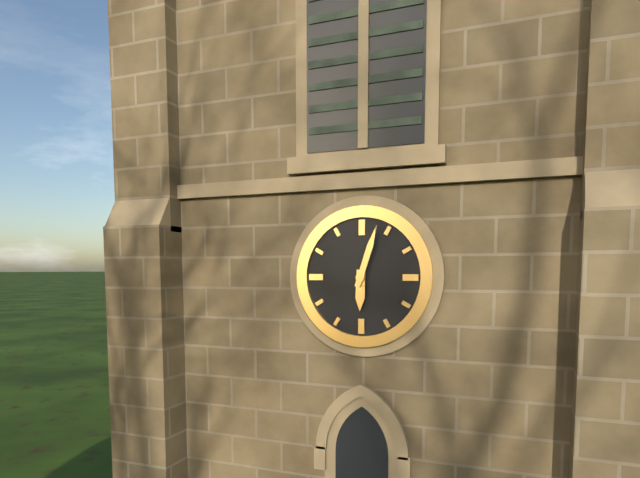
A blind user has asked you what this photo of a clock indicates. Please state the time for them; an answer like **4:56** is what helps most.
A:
**6:03**
